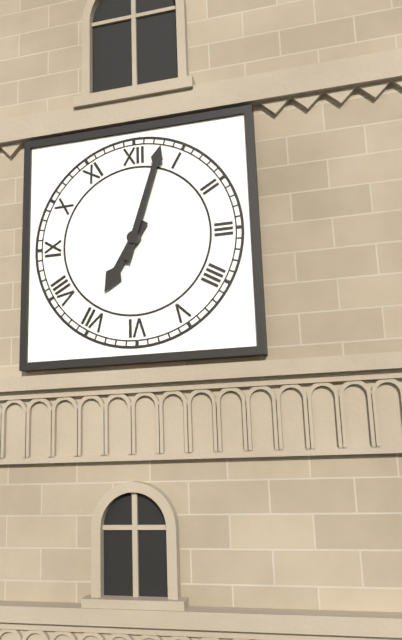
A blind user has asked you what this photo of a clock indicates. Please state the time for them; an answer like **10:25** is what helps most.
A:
**7:03**
